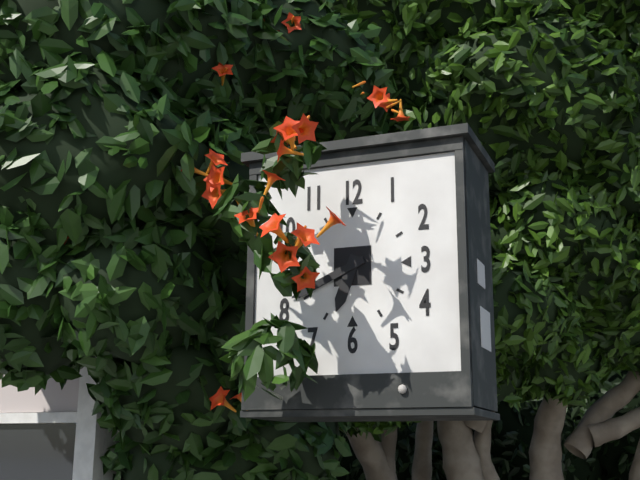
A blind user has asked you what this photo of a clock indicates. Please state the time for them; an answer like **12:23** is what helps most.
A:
**6:41**
